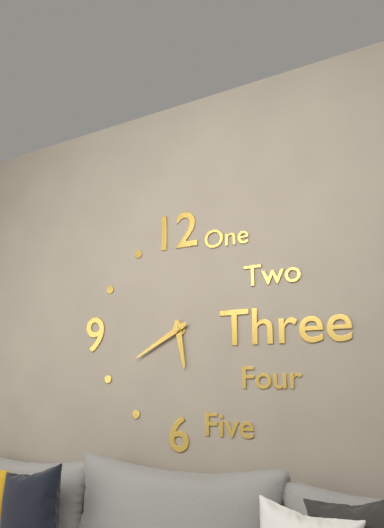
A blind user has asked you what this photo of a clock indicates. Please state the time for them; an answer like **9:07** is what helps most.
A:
**5:40**
